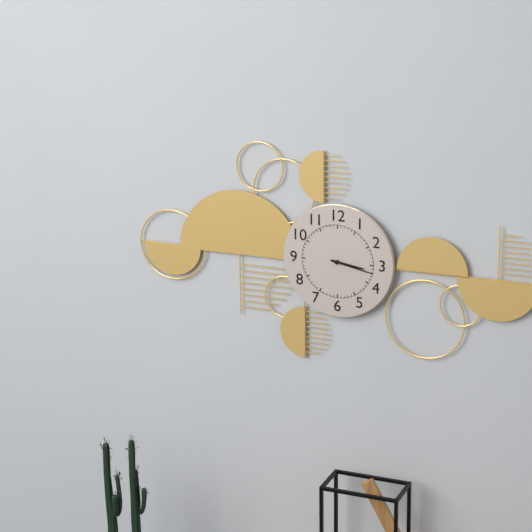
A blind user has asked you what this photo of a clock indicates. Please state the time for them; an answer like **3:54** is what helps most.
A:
**3:17**
